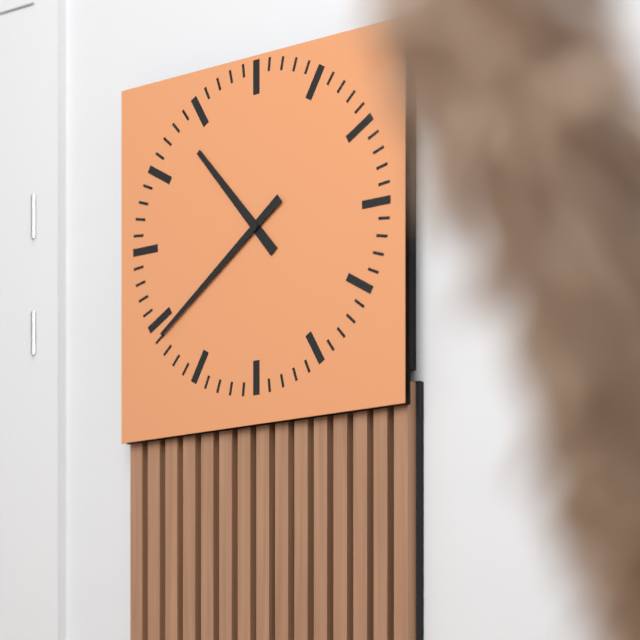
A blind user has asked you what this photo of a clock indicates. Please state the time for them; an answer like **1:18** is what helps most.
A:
**10:39**
